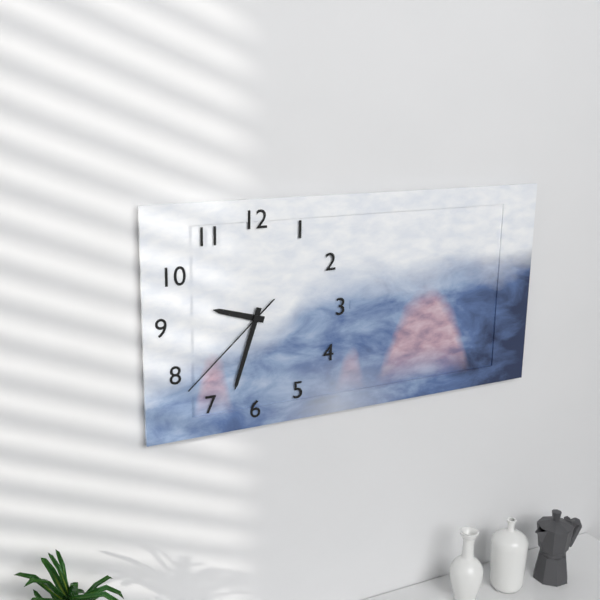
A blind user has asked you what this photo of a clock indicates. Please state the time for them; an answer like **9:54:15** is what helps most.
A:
**9:33:38**
